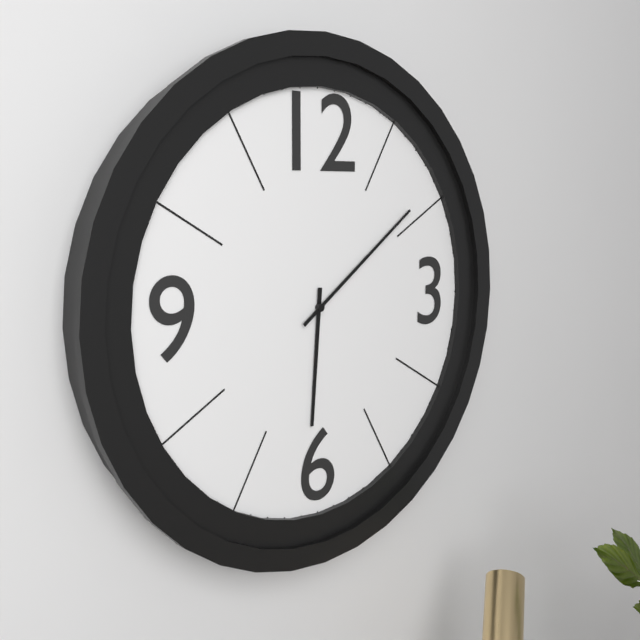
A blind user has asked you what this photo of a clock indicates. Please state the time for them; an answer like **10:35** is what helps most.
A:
**6:09**
